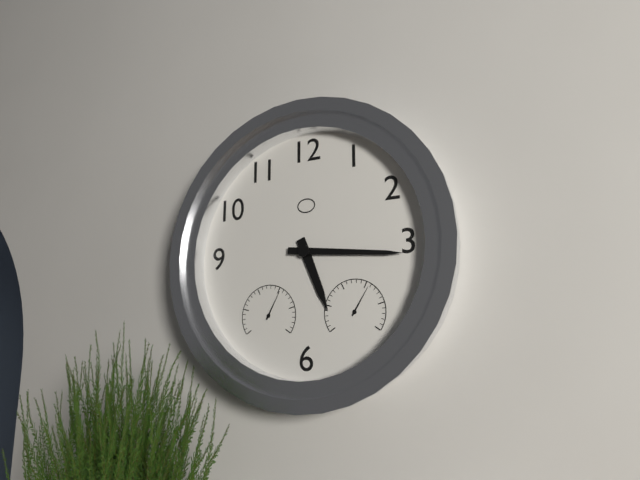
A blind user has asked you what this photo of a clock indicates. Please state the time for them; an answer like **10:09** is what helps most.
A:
**5:16**
